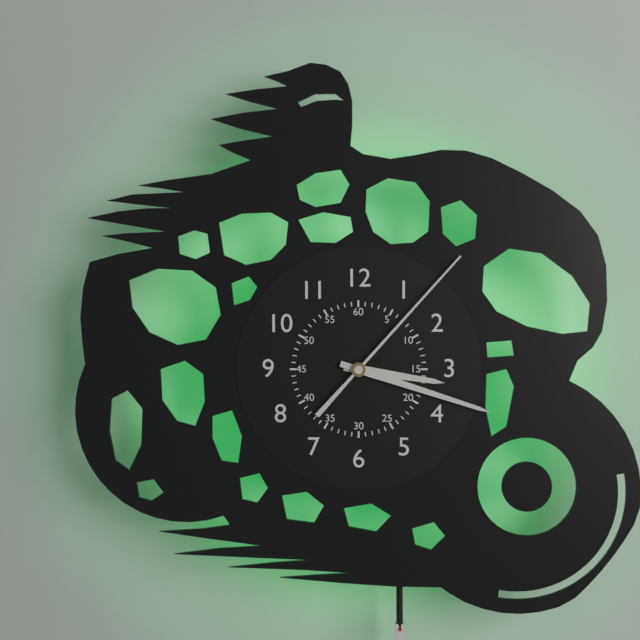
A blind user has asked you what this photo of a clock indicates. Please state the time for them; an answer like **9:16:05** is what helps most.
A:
**3:18:07**
